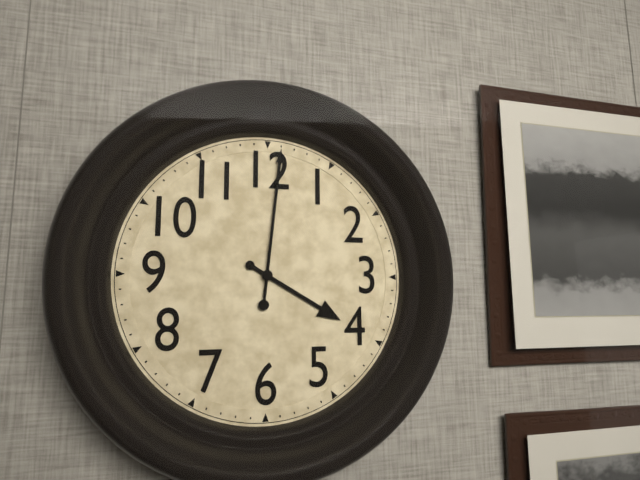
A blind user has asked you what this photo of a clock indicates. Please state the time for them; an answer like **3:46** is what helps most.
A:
**4:01**
